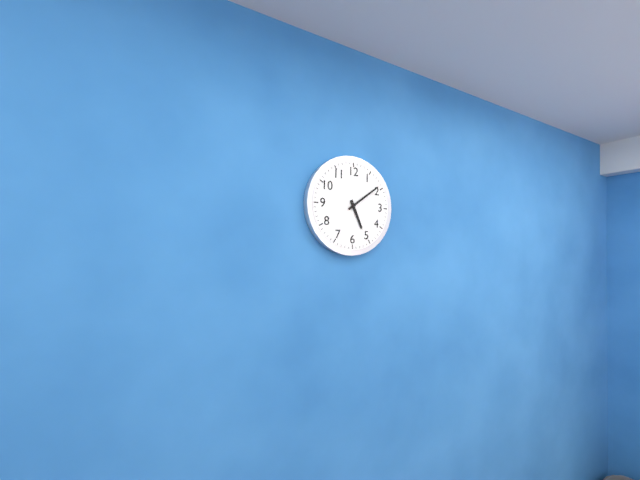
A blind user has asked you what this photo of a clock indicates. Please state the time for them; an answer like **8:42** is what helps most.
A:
**5:09**
